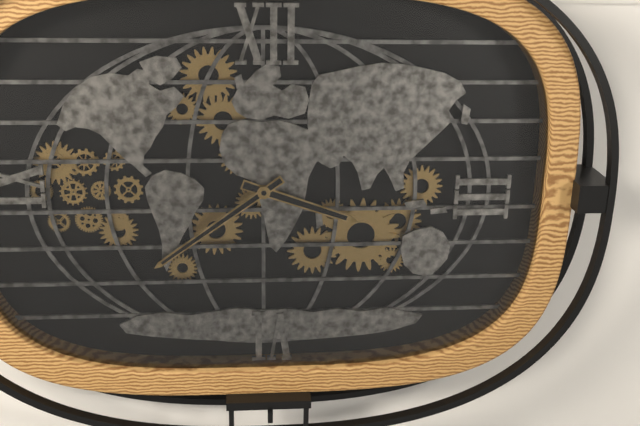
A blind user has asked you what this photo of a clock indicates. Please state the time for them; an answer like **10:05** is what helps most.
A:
**3:39**
